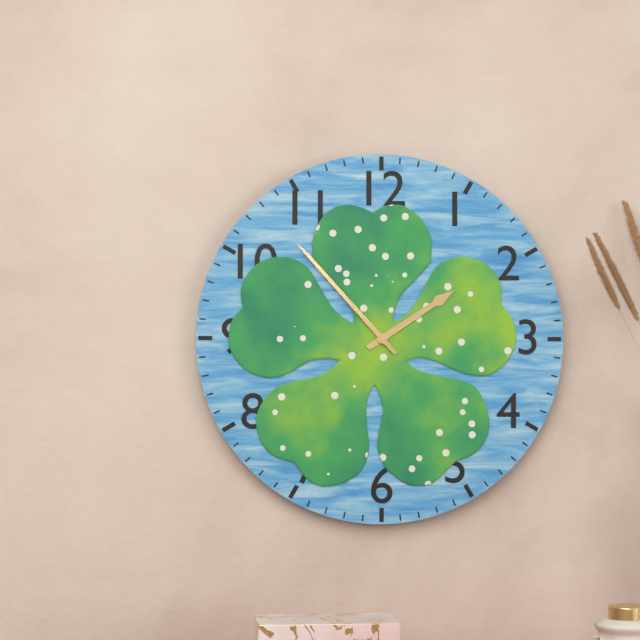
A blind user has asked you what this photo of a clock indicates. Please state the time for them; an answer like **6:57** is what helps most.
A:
**1:53**
